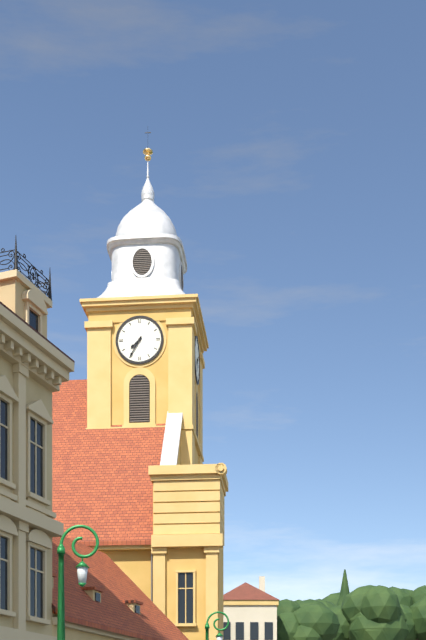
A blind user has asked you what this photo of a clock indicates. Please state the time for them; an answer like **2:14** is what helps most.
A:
**7:35**
